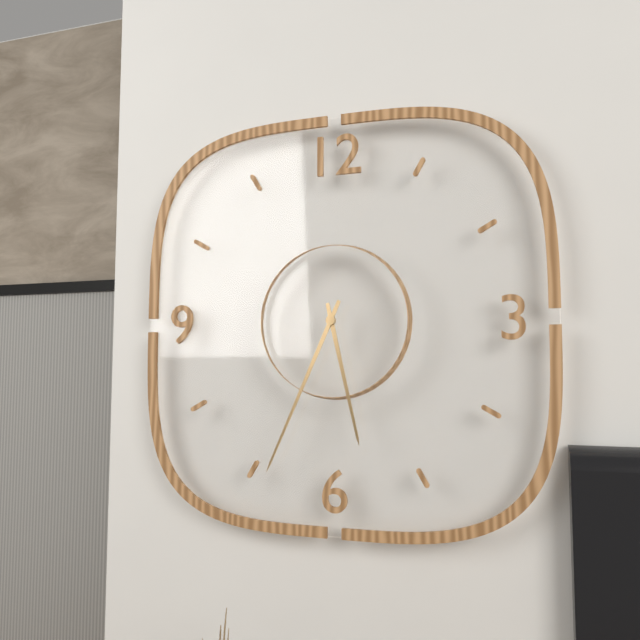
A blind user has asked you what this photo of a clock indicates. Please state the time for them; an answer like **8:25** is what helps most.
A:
**5:34**
